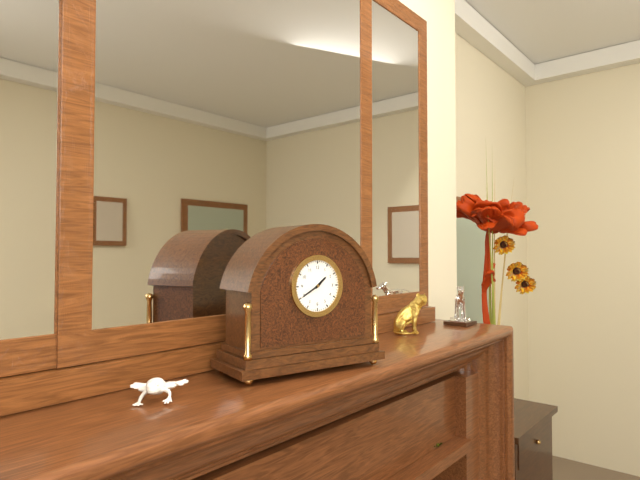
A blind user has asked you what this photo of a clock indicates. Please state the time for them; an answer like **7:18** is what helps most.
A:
**1:40**
